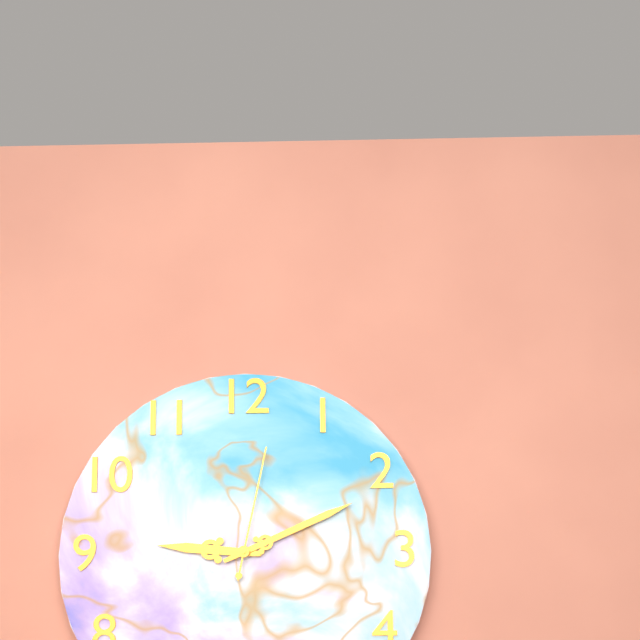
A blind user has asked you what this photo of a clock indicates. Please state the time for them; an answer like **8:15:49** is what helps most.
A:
**9:11:02**
